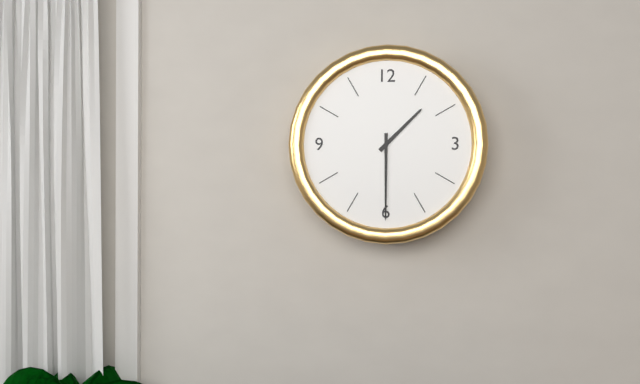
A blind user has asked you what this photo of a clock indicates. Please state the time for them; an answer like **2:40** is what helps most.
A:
**1:30**
